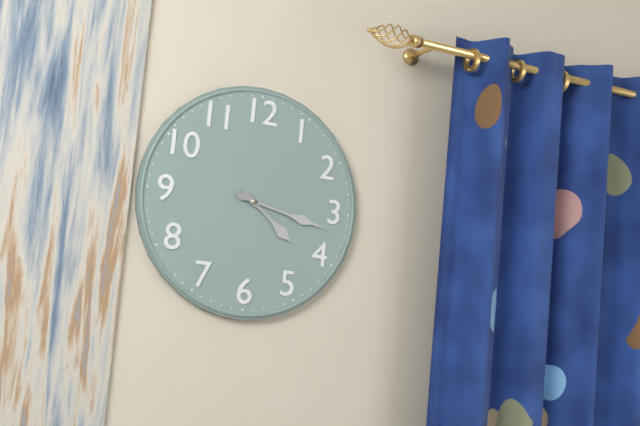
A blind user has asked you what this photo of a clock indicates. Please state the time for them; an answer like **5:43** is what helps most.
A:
**4:17**
